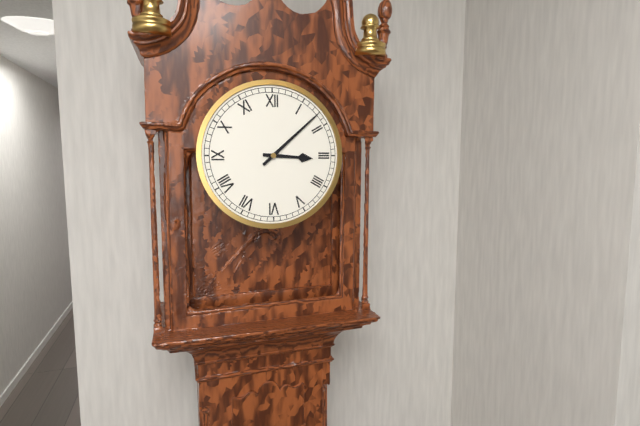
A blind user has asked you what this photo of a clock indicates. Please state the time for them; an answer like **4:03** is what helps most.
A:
**3:08**
